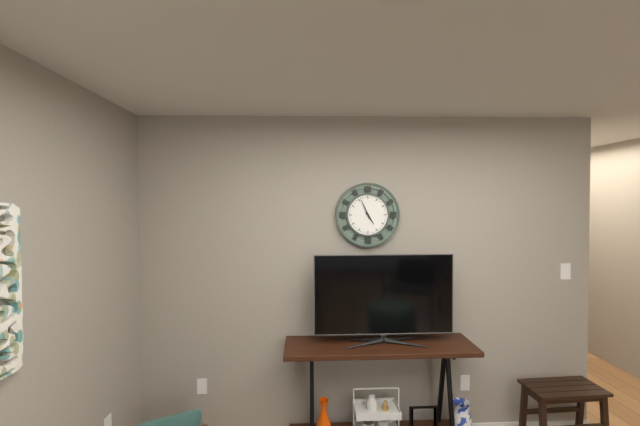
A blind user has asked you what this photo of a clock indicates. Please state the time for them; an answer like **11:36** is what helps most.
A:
**4:56**
